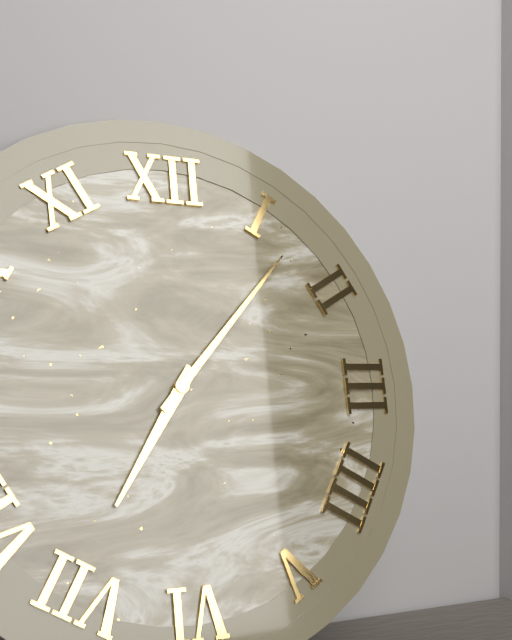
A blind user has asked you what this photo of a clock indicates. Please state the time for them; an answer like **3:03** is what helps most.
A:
**7:07**
